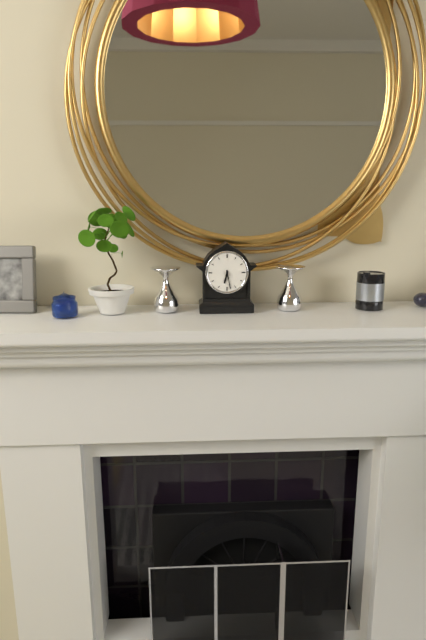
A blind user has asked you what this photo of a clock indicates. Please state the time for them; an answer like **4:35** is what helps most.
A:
**6:28**
